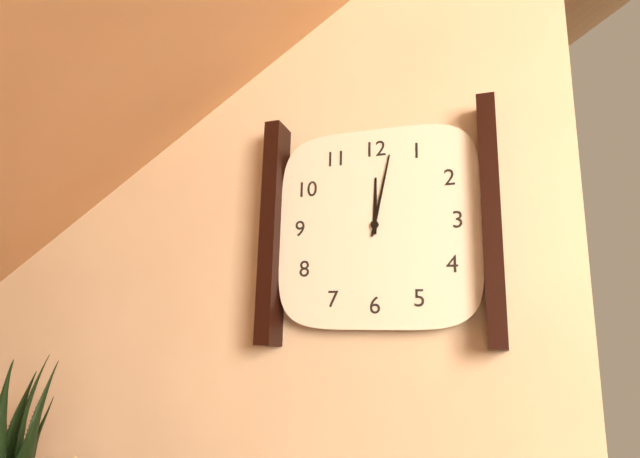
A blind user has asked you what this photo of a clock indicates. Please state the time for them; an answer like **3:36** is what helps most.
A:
**12:02**
